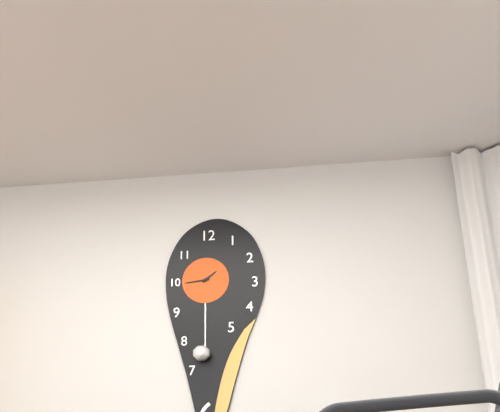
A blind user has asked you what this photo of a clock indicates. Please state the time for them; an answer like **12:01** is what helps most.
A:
**1:44**
